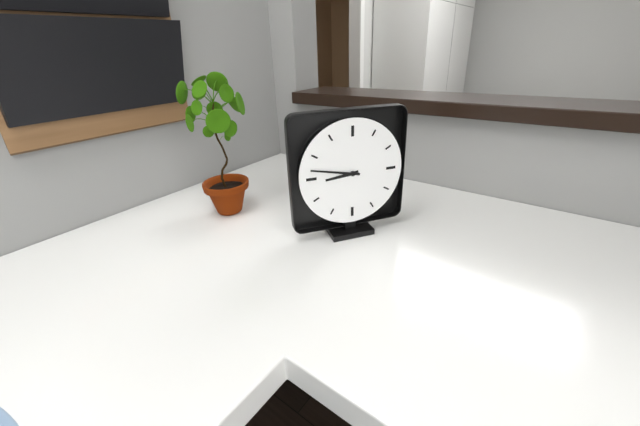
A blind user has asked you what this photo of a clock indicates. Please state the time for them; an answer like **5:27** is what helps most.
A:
**8:47**
